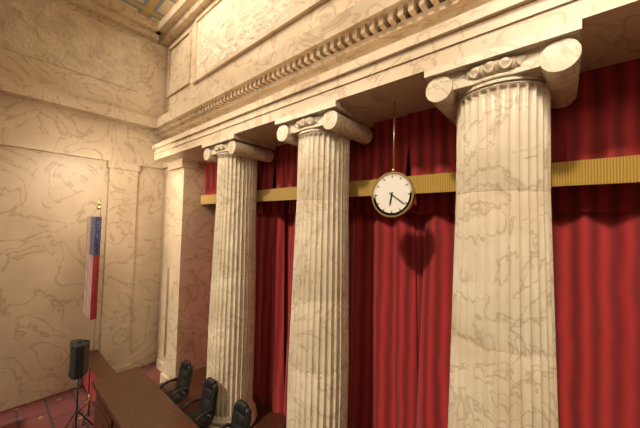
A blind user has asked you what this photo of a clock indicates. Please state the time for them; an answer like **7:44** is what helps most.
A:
**6:21**
